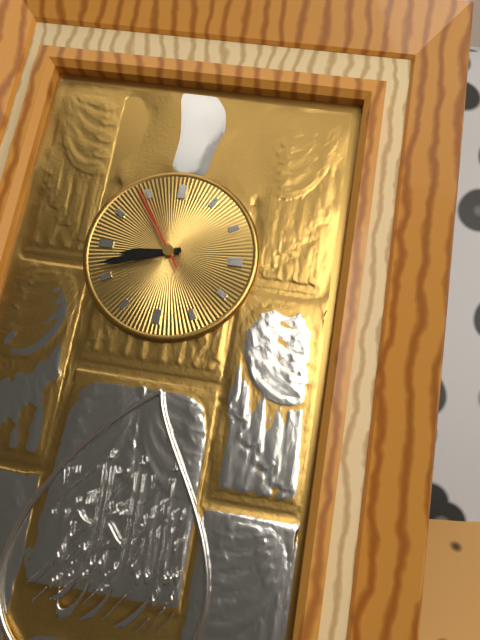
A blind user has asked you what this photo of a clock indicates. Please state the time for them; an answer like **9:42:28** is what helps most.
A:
**8:42:54**
